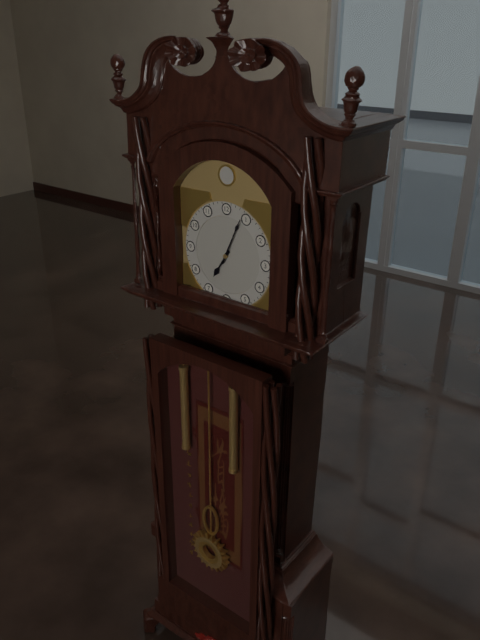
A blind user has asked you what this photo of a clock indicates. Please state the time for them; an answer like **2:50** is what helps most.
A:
**7:04**
